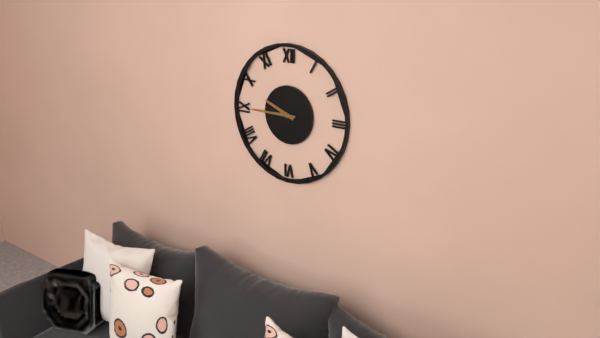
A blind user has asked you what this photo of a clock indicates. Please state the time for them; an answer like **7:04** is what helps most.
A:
**9:45**
